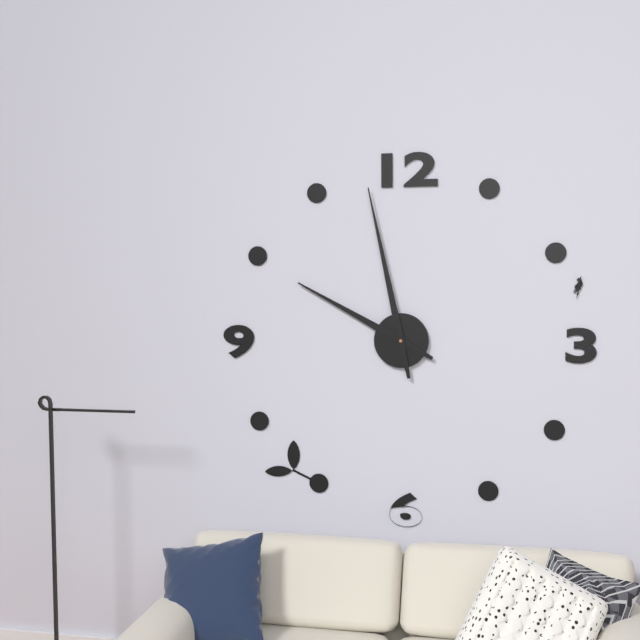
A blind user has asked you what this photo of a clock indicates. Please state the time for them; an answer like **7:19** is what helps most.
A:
**9:58**
